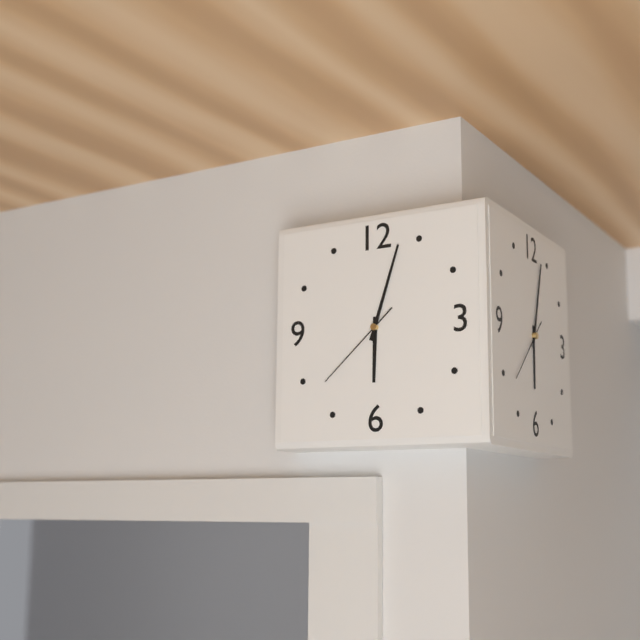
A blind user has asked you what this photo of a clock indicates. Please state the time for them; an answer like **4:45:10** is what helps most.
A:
**6:03:38**
